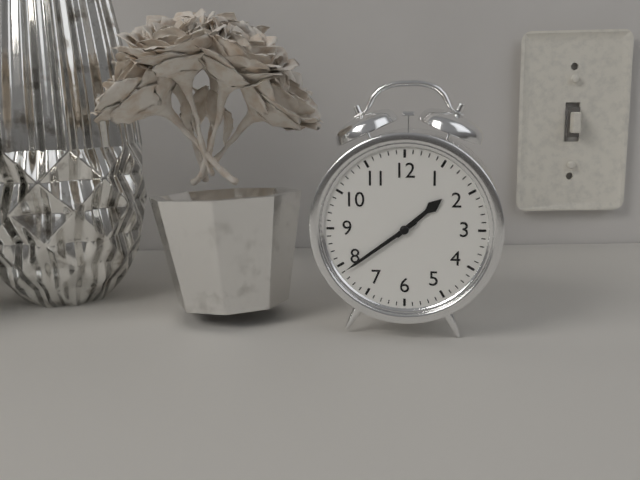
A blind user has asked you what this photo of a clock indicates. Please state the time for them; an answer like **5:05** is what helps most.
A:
**1:39**
